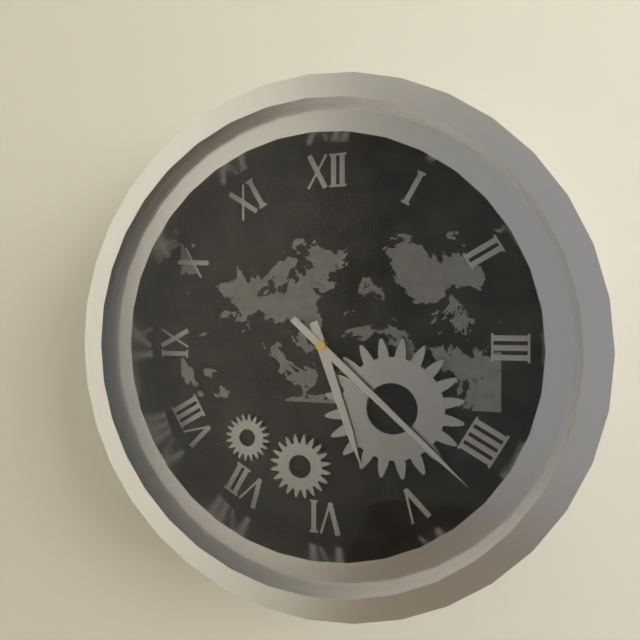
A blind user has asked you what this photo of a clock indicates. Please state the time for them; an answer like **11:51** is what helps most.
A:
**5:22**
